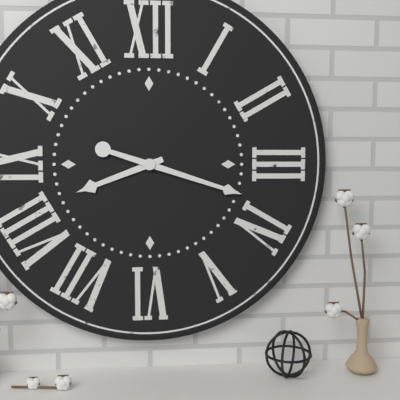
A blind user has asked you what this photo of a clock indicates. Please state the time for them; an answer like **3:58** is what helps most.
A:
**8:18**
